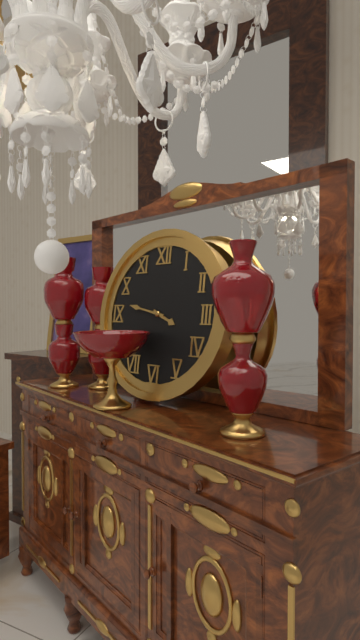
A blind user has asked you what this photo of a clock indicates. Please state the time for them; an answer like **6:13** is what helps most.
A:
**3:47**
